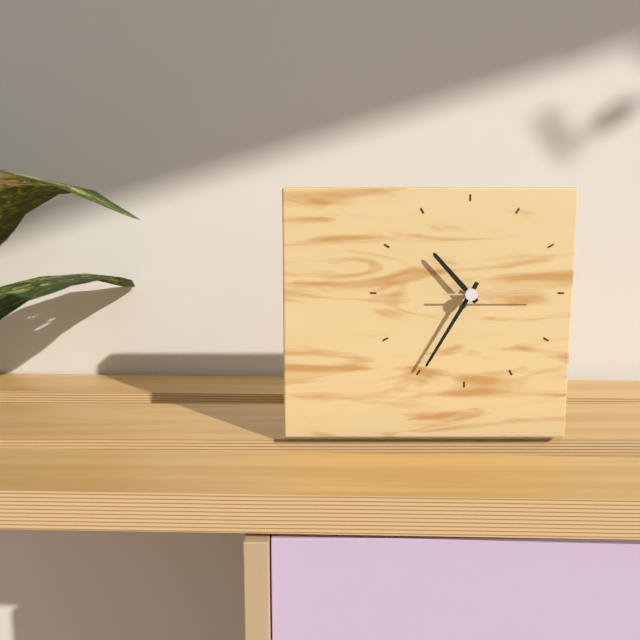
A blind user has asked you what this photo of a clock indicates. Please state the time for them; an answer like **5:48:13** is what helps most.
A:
**10:35:15**
